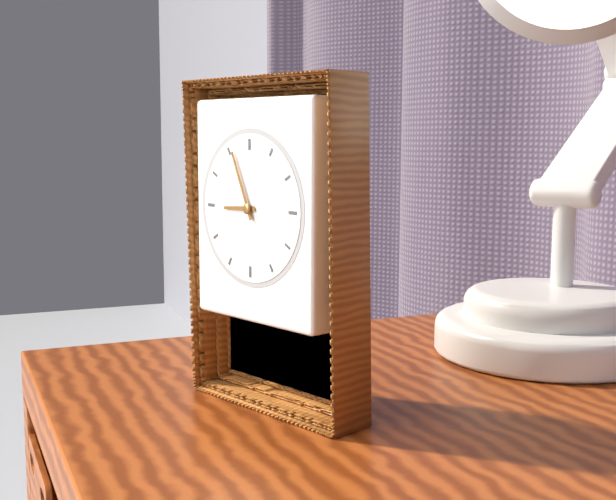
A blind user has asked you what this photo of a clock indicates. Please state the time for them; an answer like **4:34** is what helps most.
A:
**8:56**
